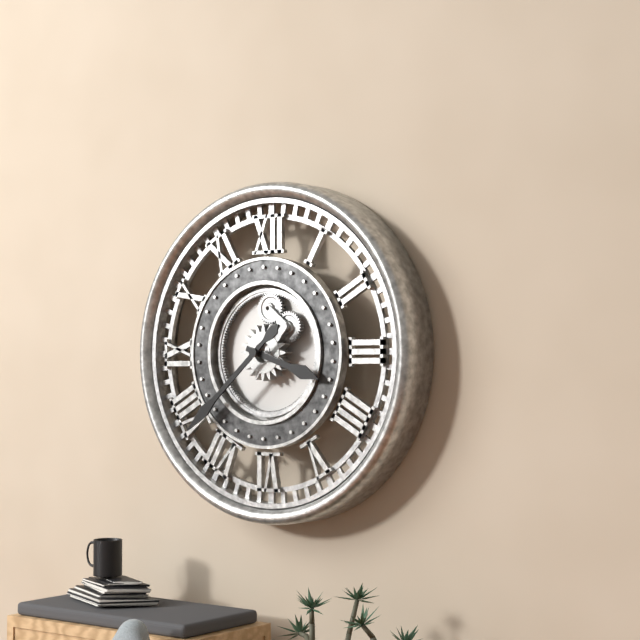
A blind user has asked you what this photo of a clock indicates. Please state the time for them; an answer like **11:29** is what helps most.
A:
**3:38**
